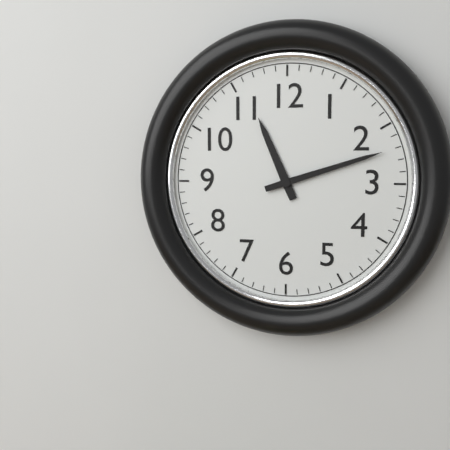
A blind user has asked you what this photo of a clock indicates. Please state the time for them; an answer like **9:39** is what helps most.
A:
**11:12**
